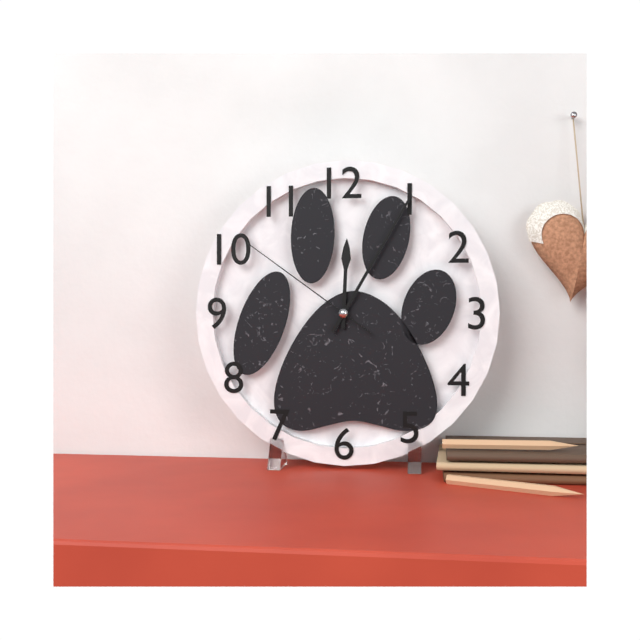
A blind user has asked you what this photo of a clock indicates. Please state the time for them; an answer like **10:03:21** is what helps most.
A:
**12:05:51**
